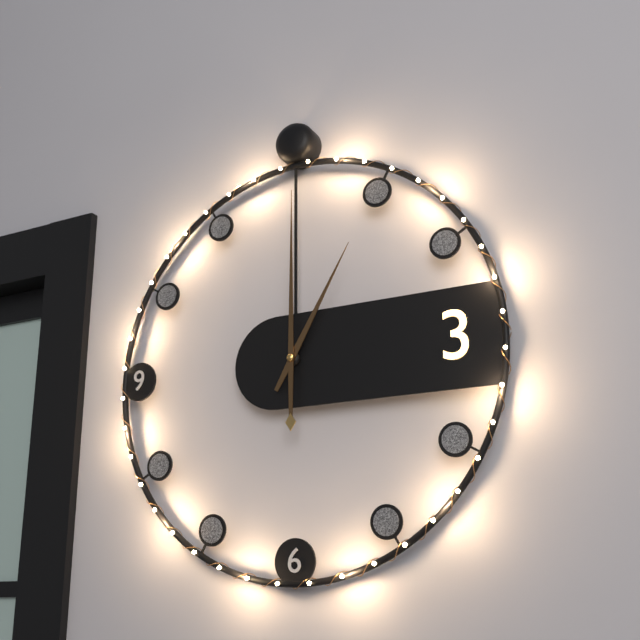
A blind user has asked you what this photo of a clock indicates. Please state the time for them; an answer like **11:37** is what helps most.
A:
**1:00**
